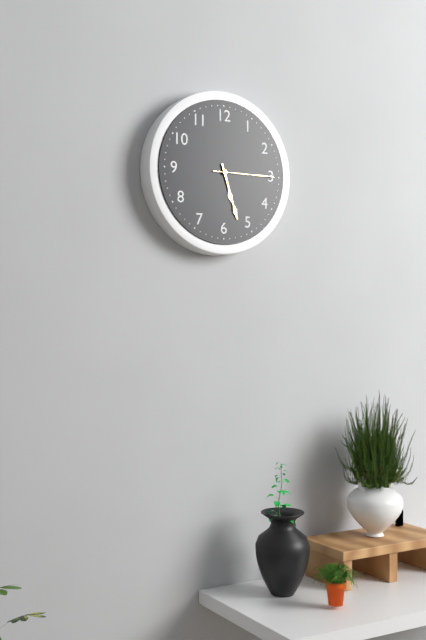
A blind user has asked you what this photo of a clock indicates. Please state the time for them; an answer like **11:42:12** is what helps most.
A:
**5:27:15**
